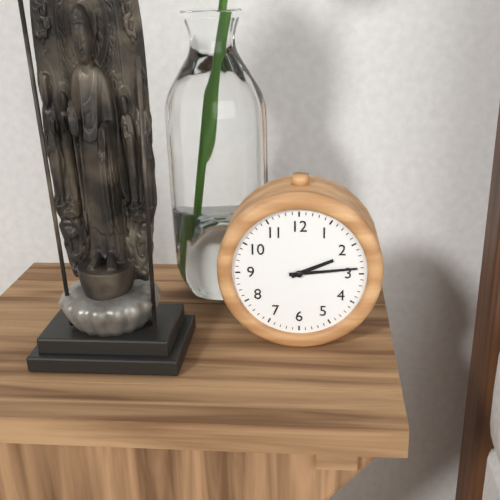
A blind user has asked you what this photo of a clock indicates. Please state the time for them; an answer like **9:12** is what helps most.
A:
**2:14**
